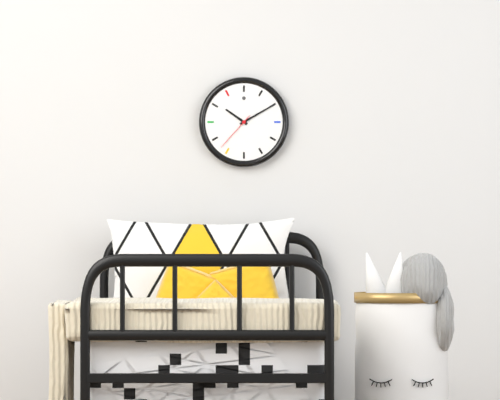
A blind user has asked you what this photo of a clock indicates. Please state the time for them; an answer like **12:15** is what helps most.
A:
**10:10**
